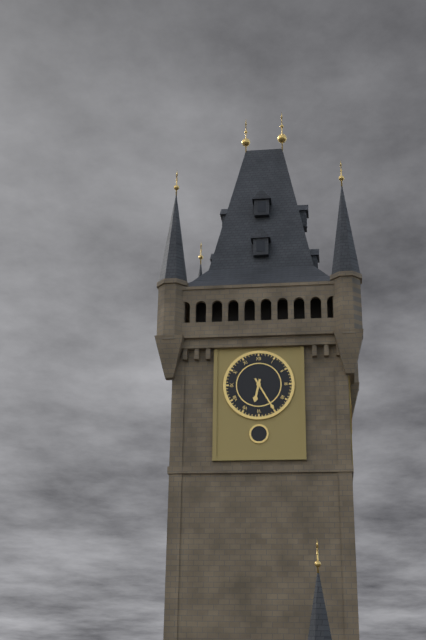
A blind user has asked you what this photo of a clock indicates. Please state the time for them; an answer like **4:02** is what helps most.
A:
**6:25**
